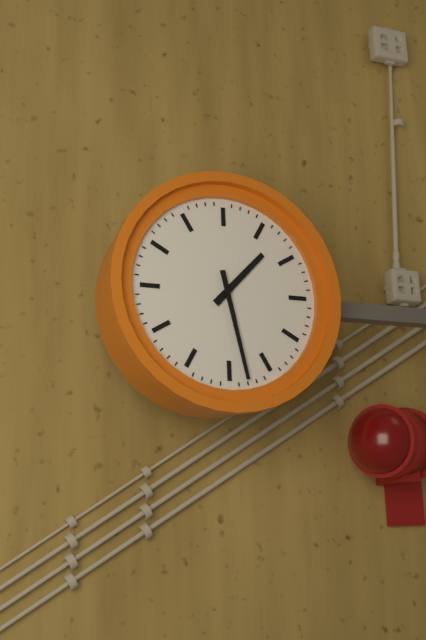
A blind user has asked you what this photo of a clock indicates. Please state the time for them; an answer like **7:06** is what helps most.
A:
**1:28**
